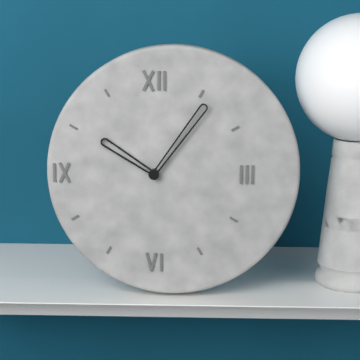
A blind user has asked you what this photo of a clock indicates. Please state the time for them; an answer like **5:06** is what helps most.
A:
**10:06**
